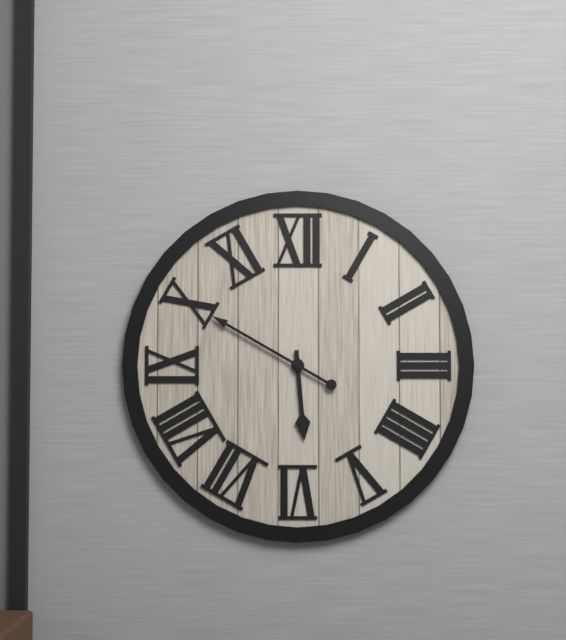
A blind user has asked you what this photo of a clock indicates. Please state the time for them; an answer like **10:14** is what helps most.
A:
**5:50**
